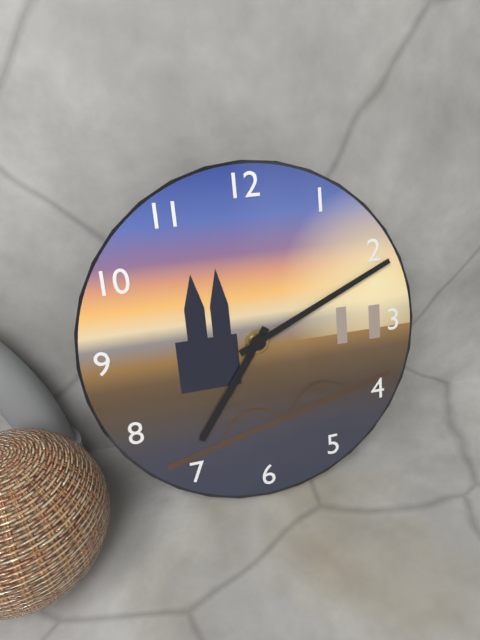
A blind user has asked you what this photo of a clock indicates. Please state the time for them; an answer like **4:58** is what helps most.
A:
**7:11**
